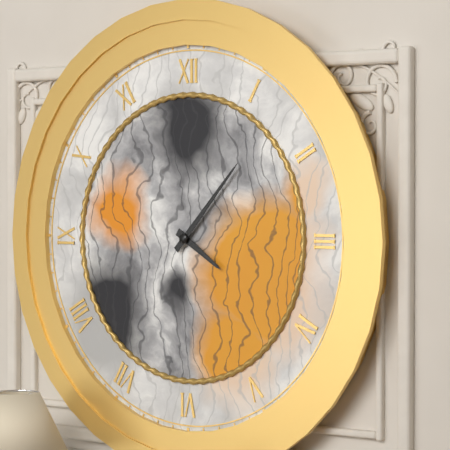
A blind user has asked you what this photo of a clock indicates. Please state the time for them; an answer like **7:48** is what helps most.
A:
**4:07**
